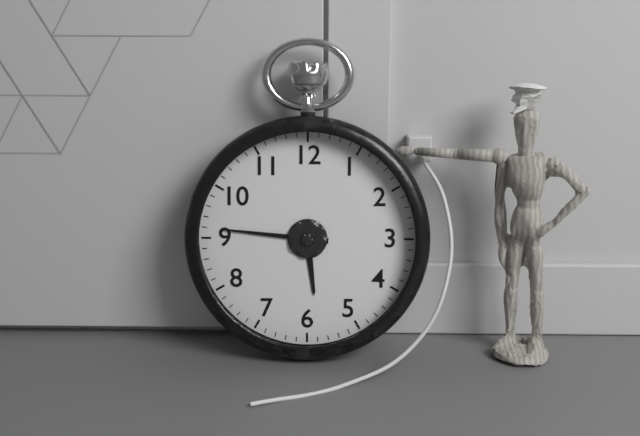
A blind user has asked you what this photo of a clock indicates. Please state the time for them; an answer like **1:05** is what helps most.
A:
**5:46**
